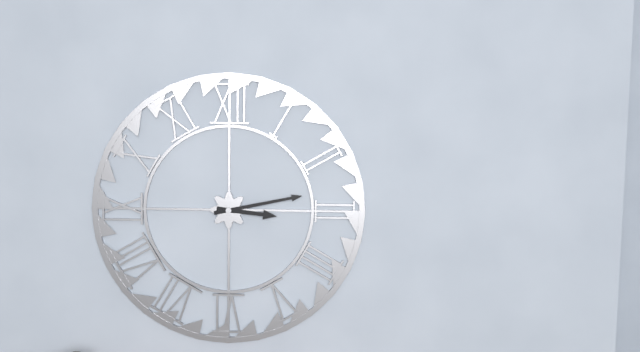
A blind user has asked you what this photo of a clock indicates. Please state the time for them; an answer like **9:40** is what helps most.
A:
**3:13**
